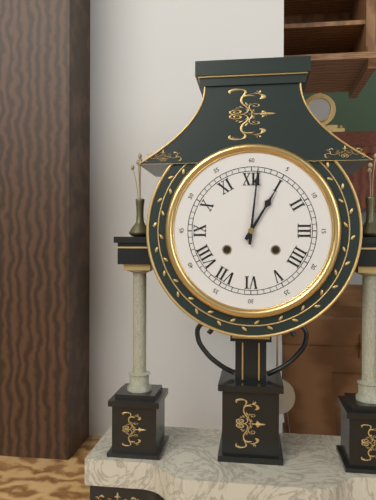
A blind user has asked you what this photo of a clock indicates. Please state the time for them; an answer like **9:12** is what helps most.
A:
**1:01**
